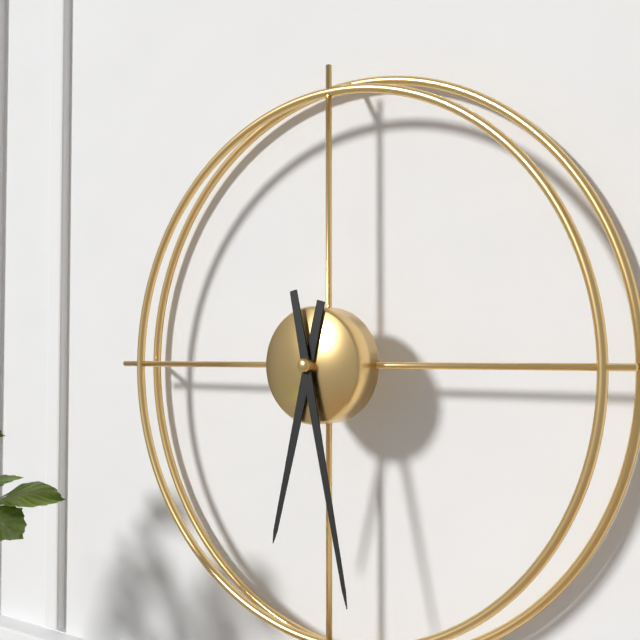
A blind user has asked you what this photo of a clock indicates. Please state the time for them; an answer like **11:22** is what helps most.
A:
**6:28**
